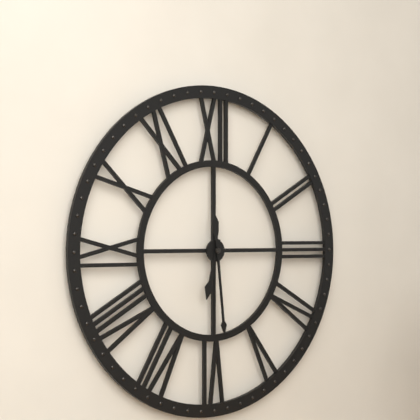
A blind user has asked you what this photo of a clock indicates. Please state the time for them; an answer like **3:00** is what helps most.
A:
**6:29**
